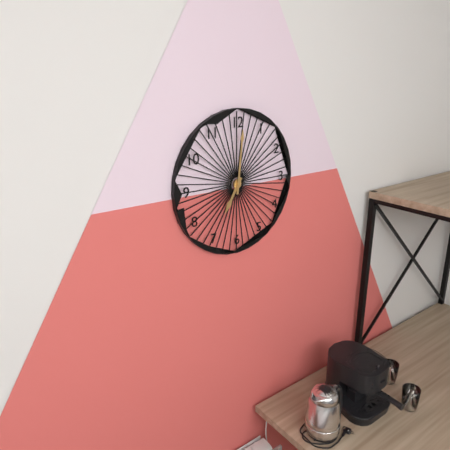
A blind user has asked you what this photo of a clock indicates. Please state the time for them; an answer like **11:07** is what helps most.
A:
**7:01**
